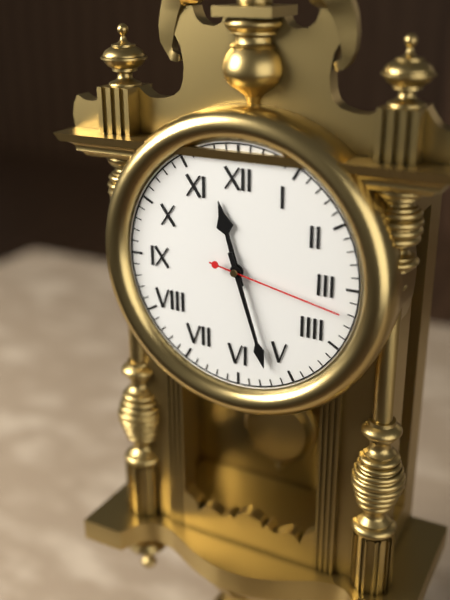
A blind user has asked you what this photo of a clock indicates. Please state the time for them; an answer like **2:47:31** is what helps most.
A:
**11:27:17**
